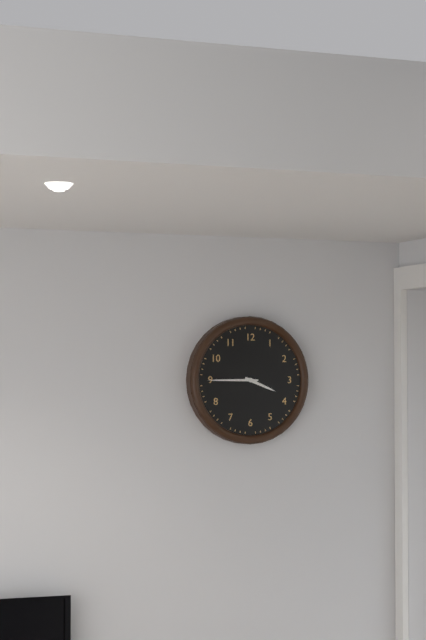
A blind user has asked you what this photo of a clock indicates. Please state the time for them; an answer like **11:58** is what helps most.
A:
**3:45**
